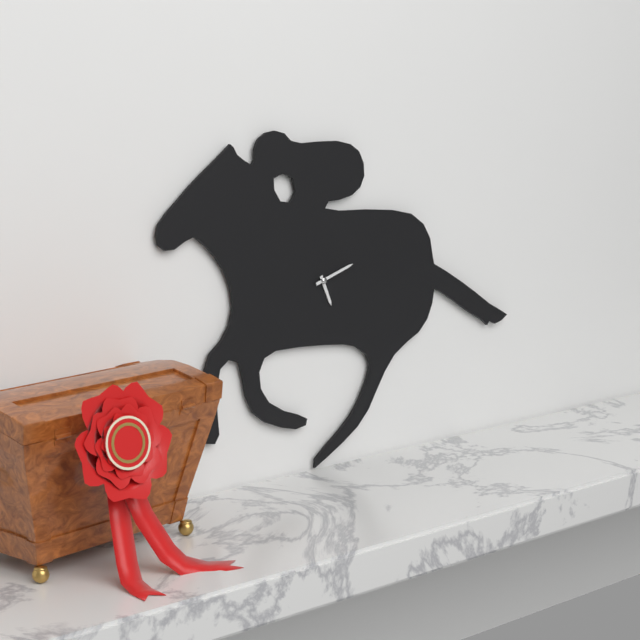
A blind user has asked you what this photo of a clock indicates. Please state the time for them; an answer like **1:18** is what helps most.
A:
**5:12**
